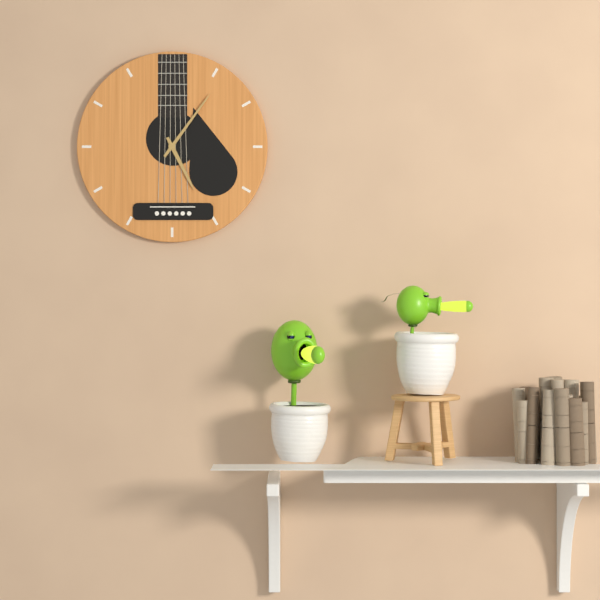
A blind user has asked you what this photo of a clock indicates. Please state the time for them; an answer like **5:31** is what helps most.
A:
**5:06**
